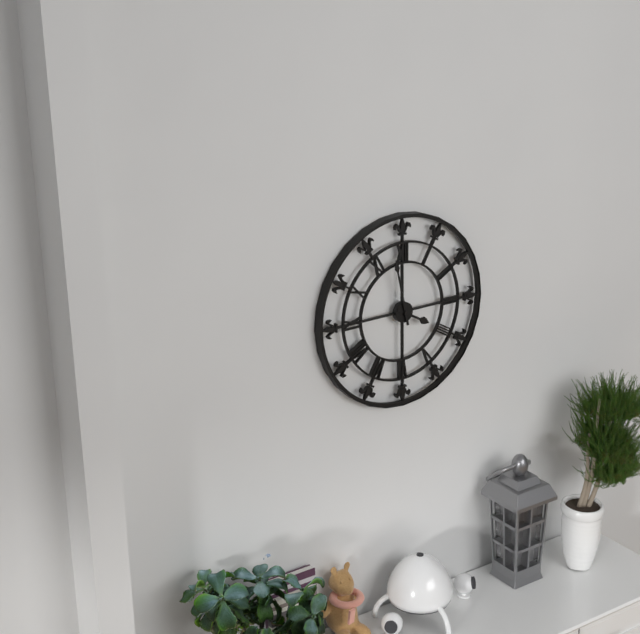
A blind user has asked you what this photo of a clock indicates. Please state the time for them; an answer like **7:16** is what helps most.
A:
**3:58**
